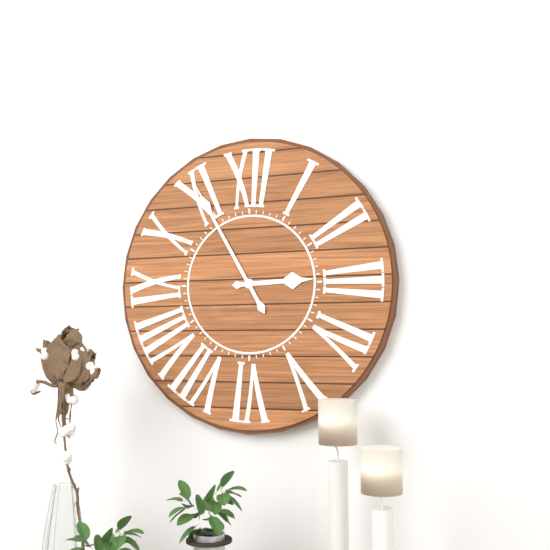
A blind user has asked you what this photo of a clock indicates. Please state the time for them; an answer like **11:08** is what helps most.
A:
**2:55**
